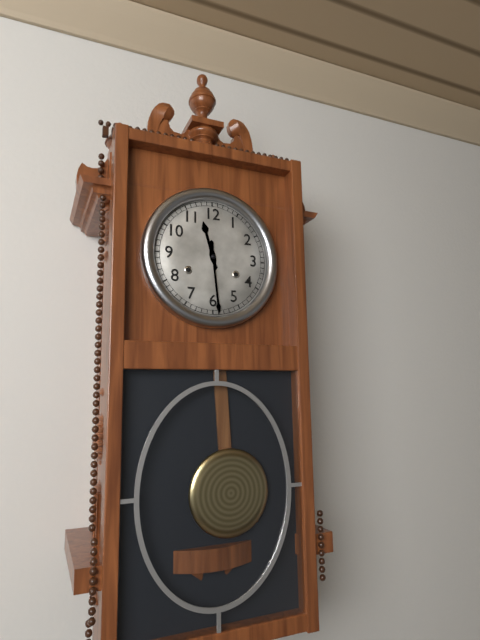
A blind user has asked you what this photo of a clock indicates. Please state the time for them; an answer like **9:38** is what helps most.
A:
**11:29**
